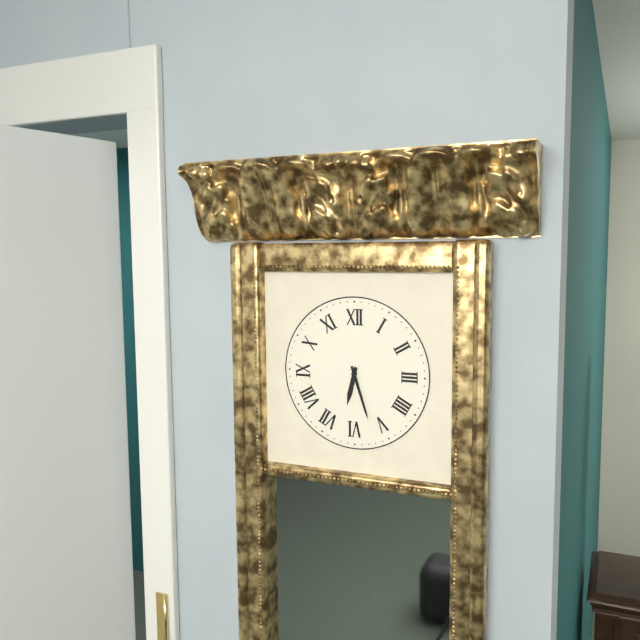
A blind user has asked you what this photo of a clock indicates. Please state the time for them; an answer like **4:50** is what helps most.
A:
**6:27**
